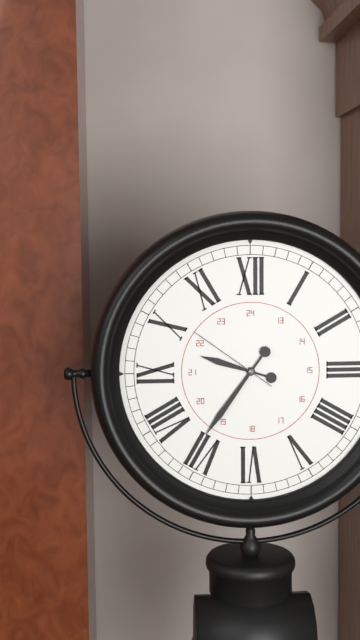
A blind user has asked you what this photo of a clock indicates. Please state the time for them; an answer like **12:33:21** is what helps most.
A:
**9:36:51**
